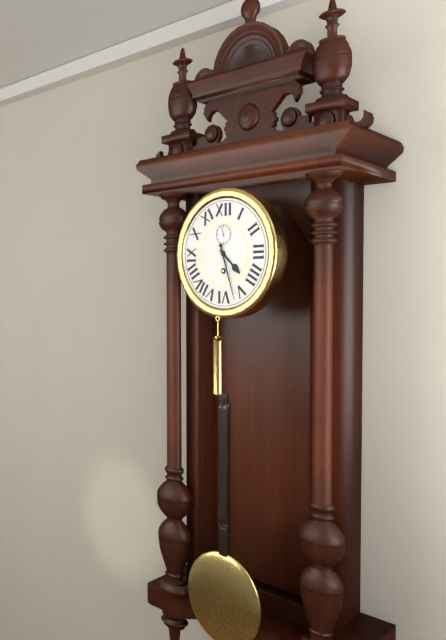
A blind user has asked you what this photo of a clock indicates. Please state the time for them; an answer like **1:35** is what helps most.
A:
**4:27**
